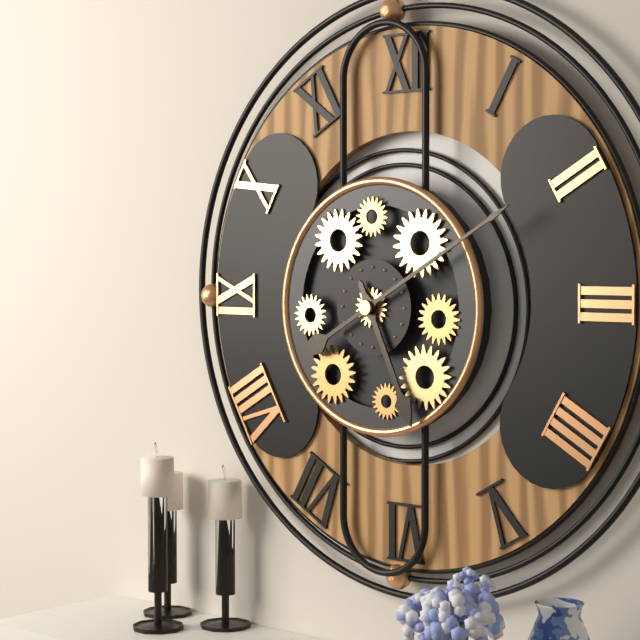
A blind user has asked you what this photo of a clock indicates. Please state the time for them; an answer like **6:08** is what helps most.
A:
**5:10**
